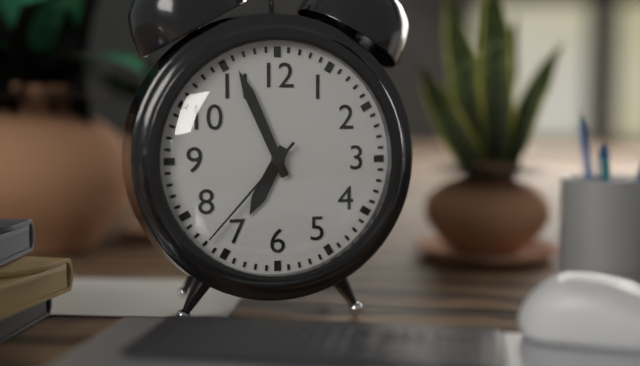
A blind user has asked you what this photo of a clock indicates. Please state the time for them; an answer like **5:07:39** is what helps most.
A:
**6:56:37**
